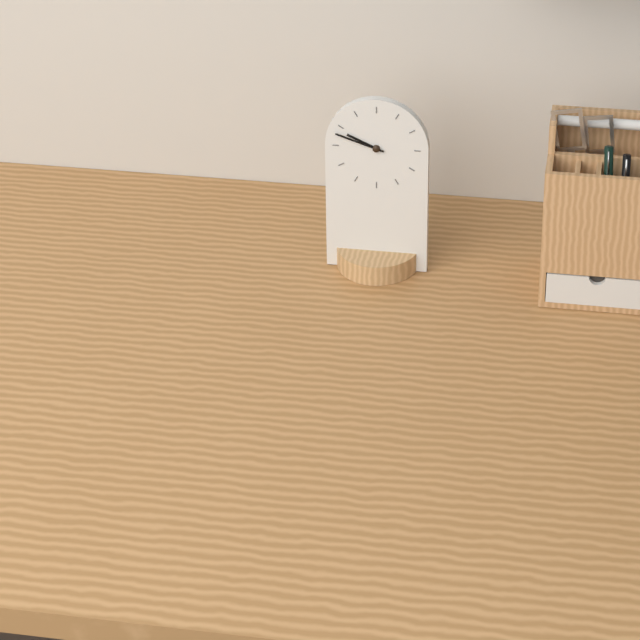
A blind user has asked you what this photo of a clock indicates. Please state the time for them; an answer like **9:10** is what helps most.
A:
**9:48**
